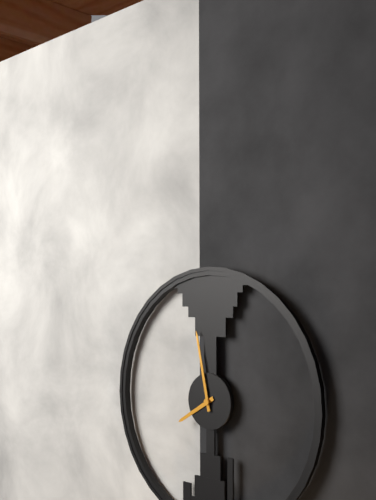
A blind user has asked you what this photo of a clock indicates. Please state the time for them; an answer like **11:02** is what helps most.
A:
**7:58**
